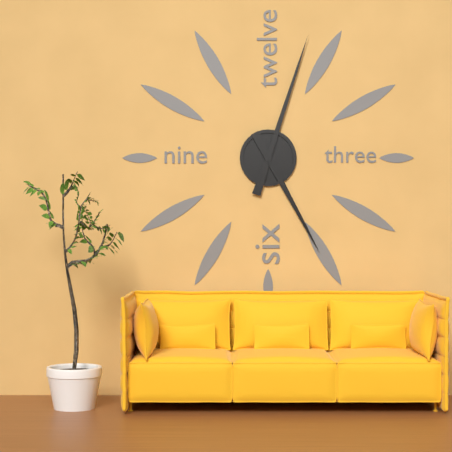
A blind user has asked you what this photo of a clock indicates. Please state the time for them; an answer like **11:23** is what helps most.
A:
**5:03**
